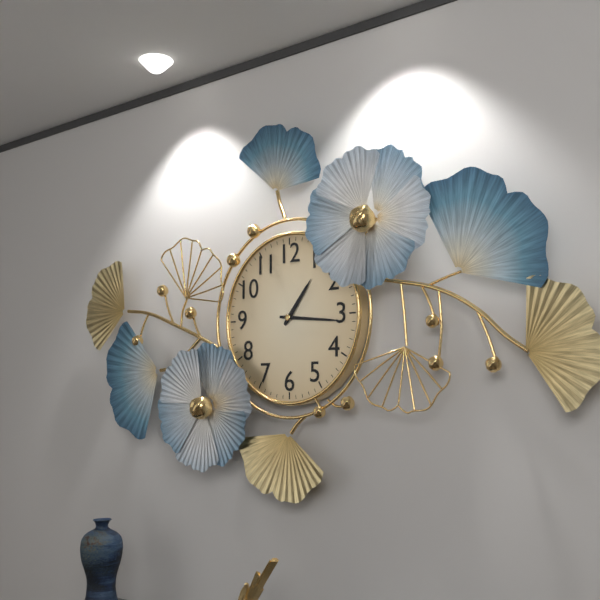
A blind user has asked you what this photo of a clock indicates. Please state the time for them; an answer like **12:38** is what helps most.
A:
**1:16**
